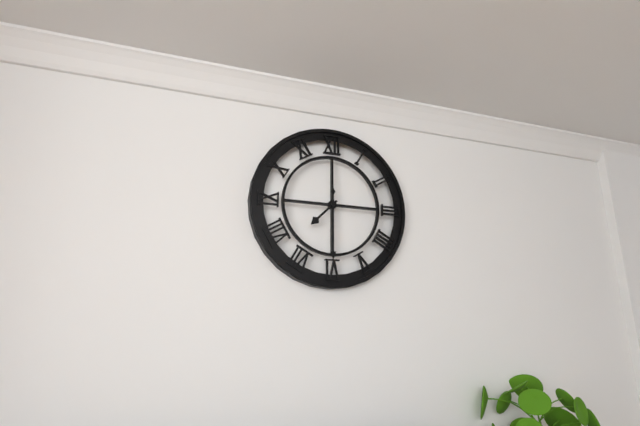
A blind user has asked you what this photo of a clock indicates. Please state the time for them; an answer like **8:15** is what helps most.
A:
**7:30**
